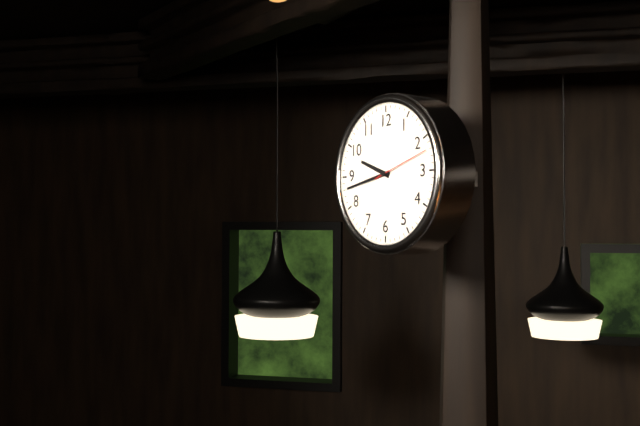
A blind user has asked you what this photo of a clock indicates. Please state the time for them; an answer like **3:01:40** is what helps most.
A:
**9:43:12**
